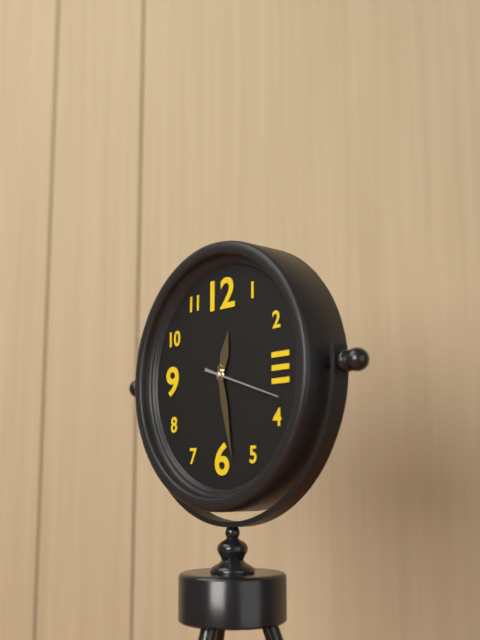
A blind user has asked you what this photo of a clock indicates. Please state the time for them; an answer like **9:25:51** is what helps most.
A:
**12:28:18**
